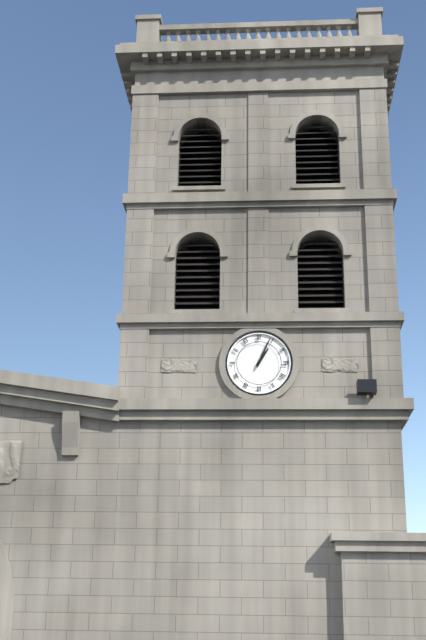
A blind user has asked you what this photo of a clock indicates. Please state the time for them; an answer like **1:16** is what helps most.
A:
**1:04**
